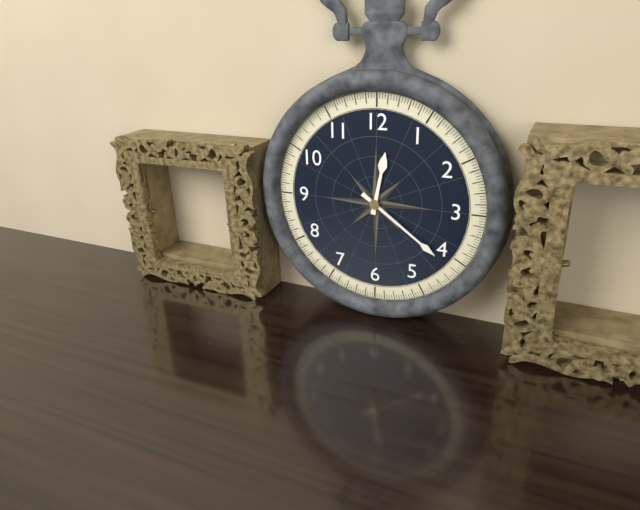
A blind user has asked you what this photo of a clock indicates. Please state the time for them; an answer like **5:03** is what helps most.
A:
**12:21**
